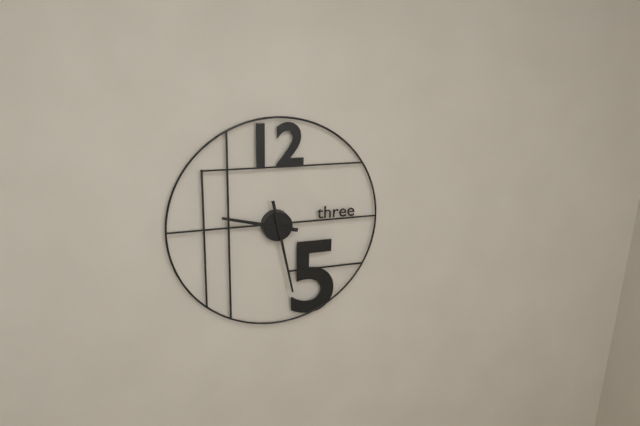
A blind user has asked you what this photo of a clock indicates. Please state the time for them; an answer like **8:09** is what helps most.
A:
**9:28**
